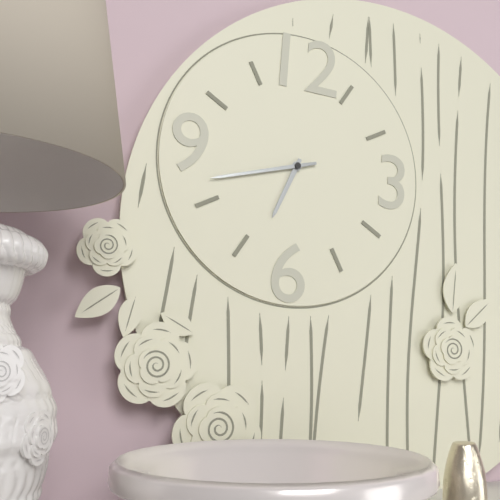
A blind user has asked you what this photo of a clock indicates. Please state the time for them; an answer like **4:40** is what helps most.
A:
**6:42**
